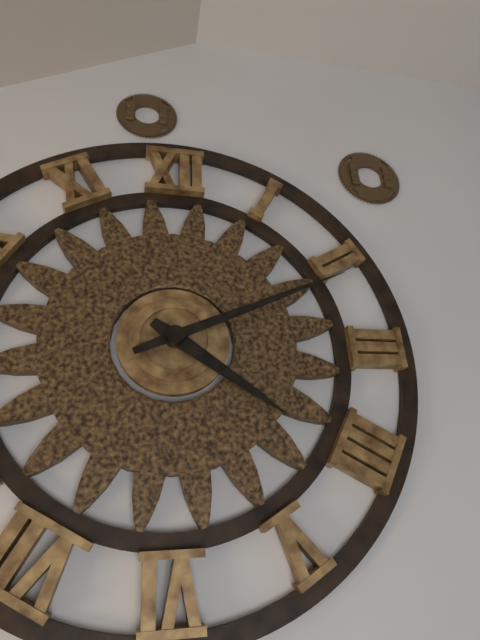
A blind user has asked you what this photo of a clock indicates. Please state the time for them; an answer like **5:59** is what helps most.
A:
**4:11**
